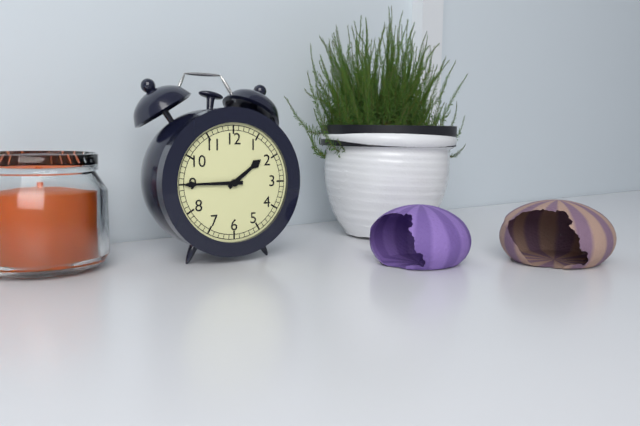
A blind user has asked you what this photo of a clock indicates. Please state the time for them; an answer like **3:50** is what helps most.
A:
**1:45**
